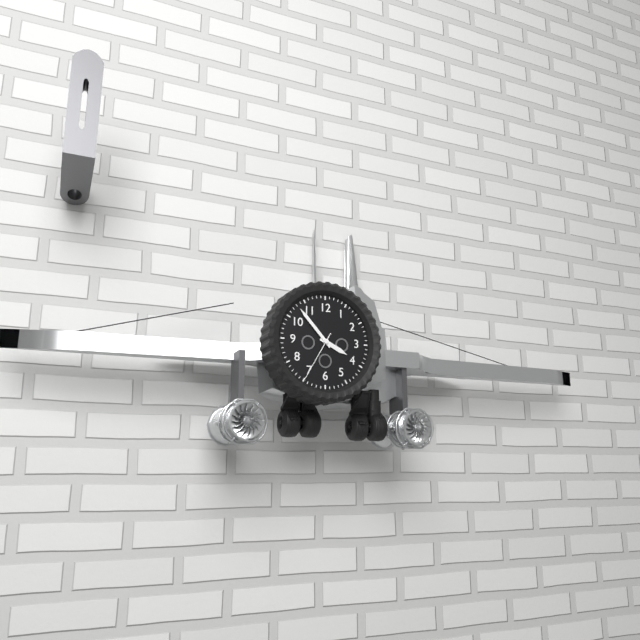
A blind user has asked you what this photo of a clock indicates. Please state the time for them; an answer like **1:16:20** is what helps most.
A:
**3:53:35**
